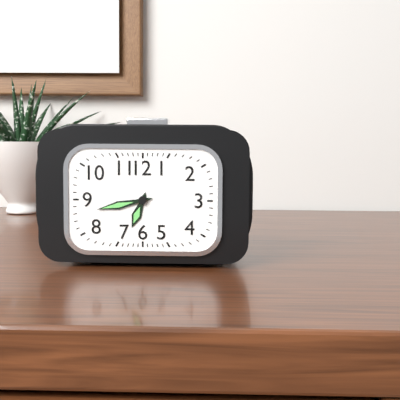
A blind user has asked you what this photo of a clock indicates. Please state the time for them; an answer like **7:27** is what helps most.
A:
**6:43**
